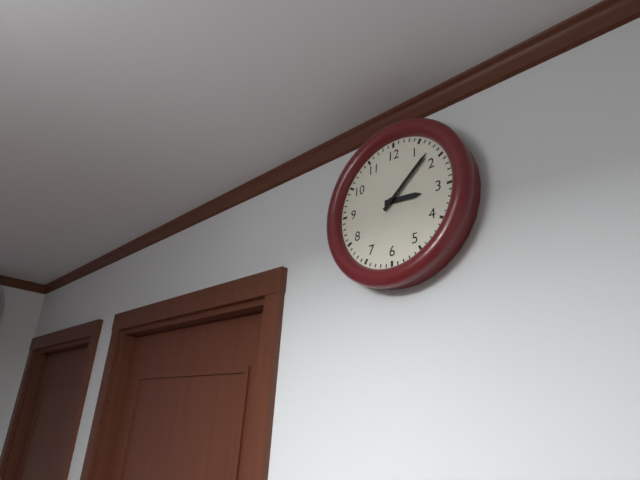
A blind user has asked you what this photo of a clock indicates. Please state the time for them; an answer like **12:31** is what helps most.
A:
**3:08**
